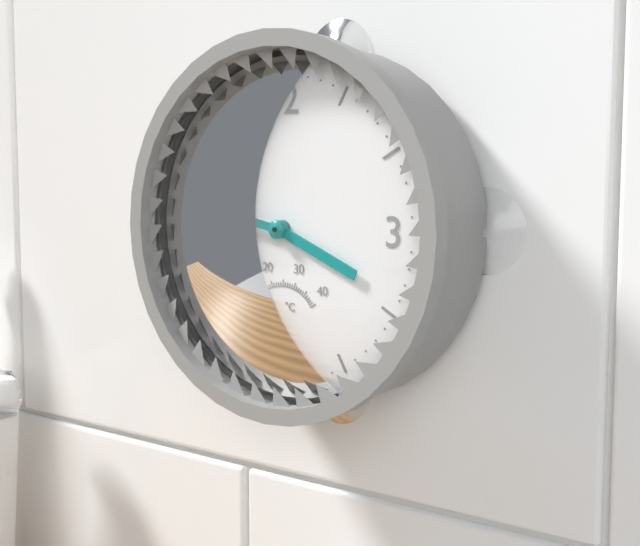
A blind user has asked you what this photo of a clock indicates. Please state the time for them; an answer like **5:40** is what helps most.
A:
**3:47**
